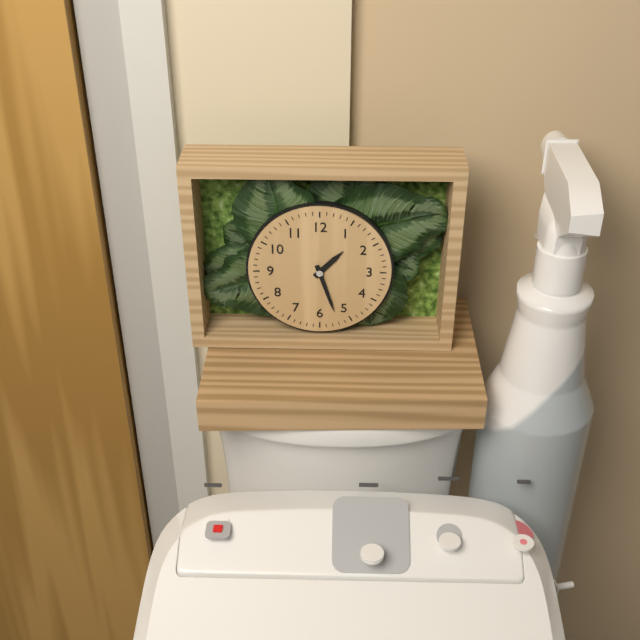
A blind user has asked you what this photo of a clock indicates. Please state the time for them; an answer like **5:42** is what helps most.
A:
**1:27**
